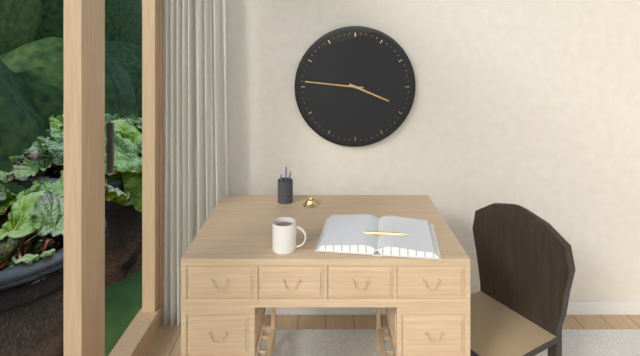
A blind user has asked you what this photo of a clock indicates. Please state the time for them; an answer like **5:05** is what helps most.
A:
**3:46**
